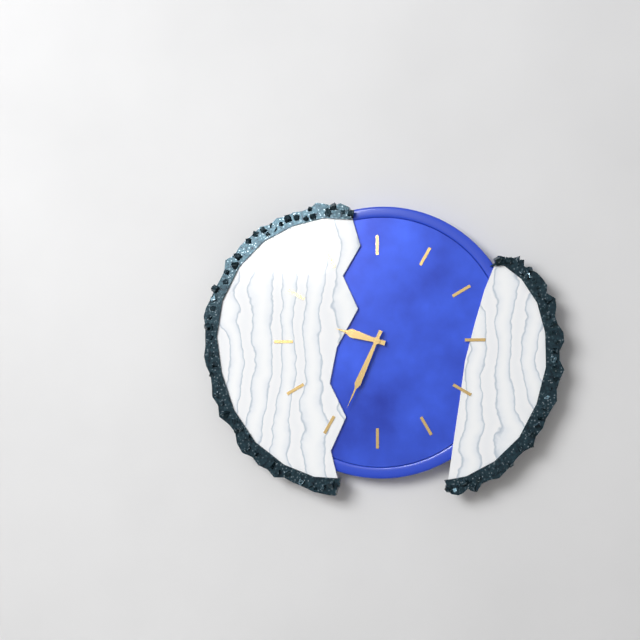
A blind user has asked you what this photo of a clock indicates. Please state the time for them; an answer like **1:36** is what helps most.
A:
**9:34**
